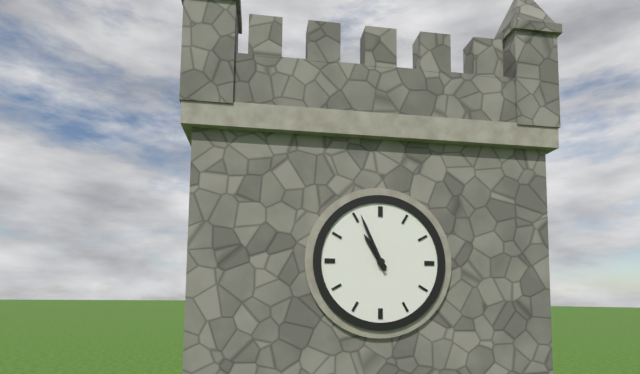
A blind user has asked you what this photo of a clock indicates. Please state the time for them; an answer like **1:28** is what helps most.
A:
**10:56**
